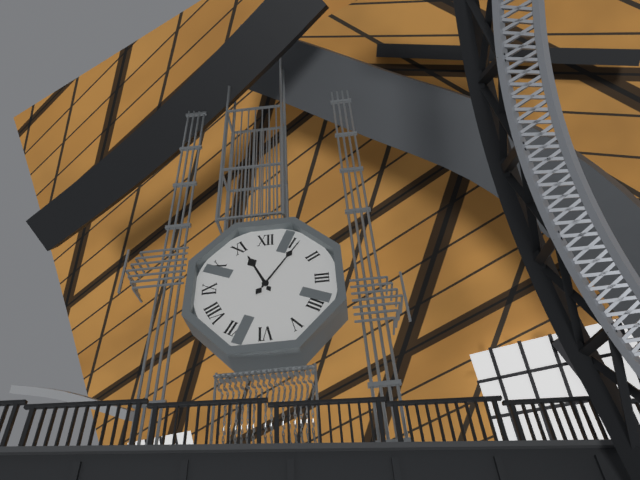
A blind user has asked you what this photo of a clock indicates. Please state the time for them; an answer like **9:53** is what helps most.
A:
**11:06**
